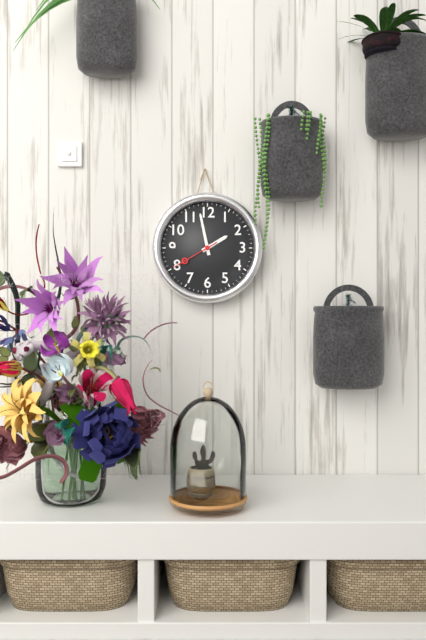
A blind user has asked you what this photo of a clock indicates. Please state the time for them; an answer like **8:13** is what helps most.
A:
**1:58**
